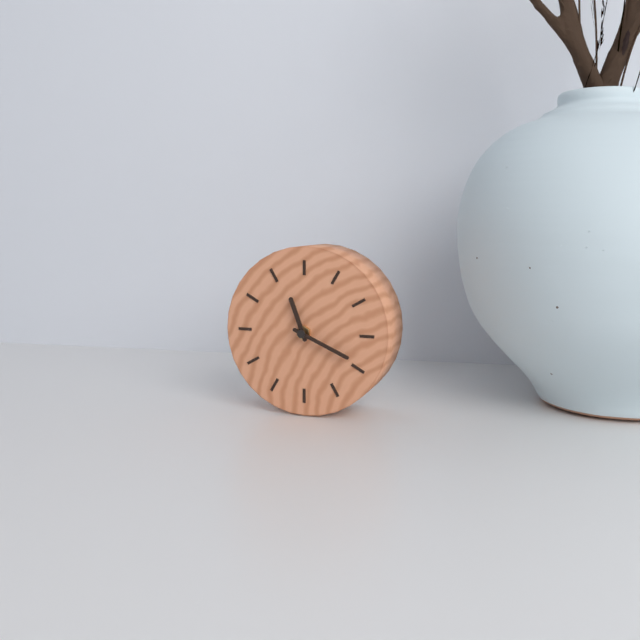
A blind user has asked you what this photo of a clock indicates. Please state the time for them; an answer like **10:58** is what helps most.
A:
**11:19**
